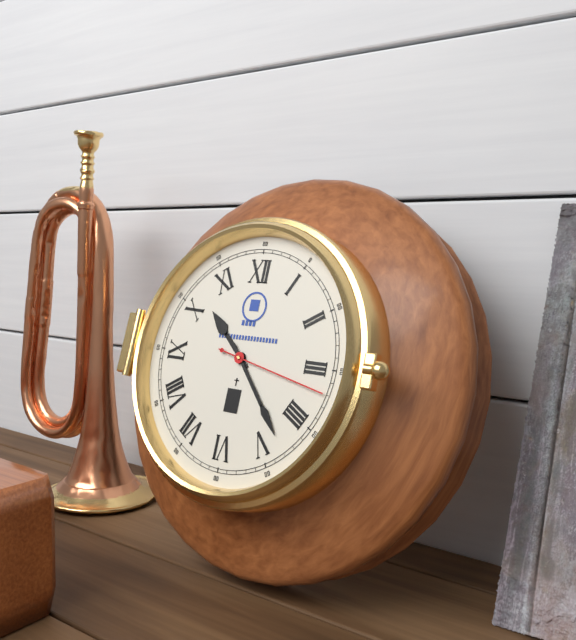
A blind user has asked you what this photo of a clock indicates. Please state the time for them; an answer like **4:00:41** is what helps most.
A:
**10:23:17**
